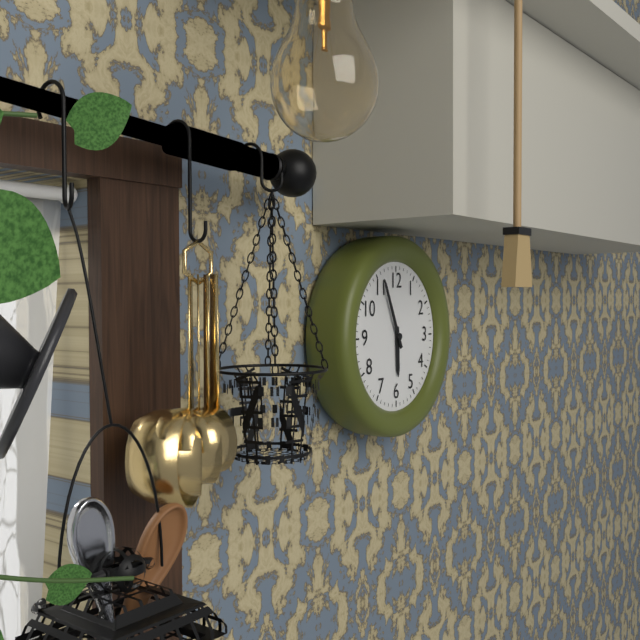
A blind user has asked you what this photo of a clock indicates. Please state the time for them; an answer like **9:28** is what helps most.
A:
**5:56**
